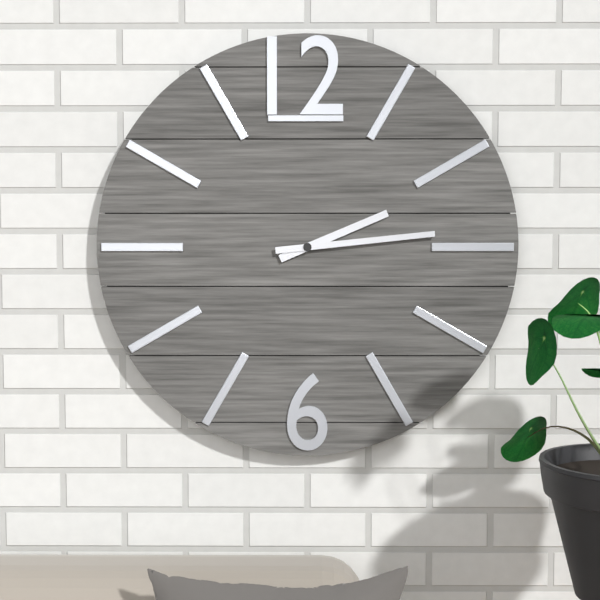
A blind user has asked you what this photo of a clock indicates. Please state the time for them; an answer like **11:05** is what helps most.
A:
**2:14**
